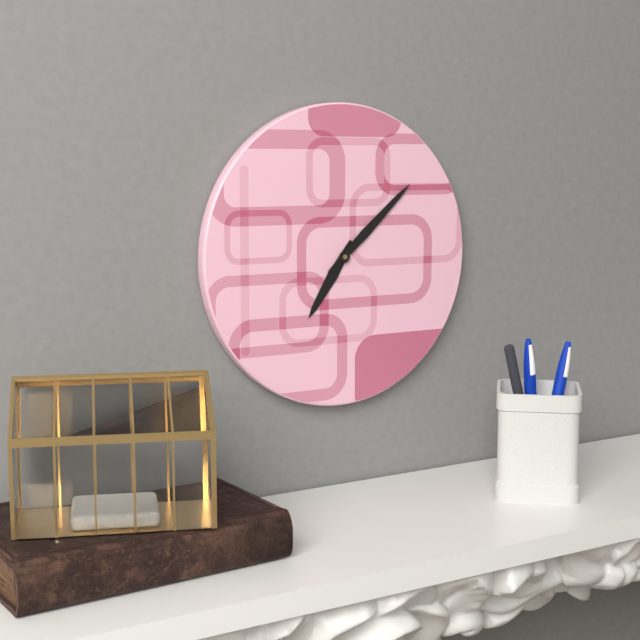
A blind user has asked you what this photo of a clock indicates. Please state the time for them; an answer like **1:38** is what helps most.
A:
**7:08**
